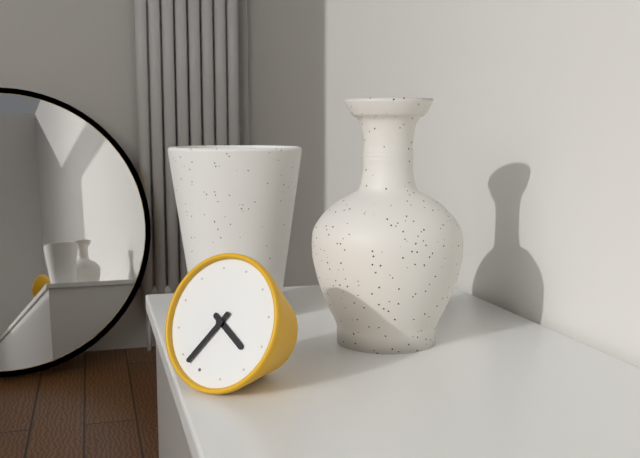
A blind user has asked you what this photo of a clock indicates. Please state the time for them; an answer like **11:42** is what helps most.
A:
**3:33**
